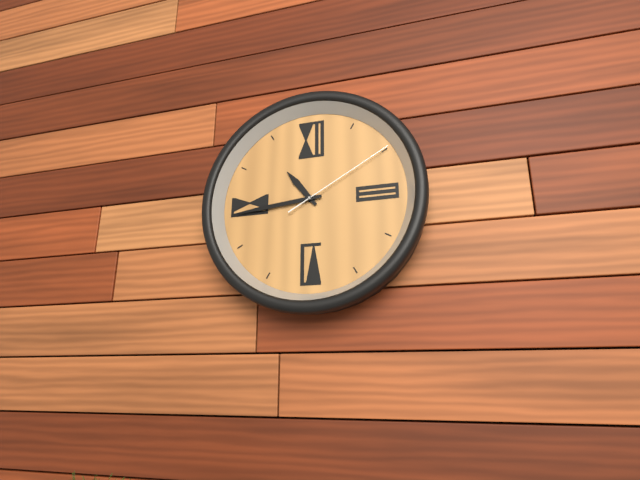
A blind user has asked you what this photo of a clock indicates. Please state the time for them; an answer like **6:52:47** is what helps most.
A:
**10:44:10**
